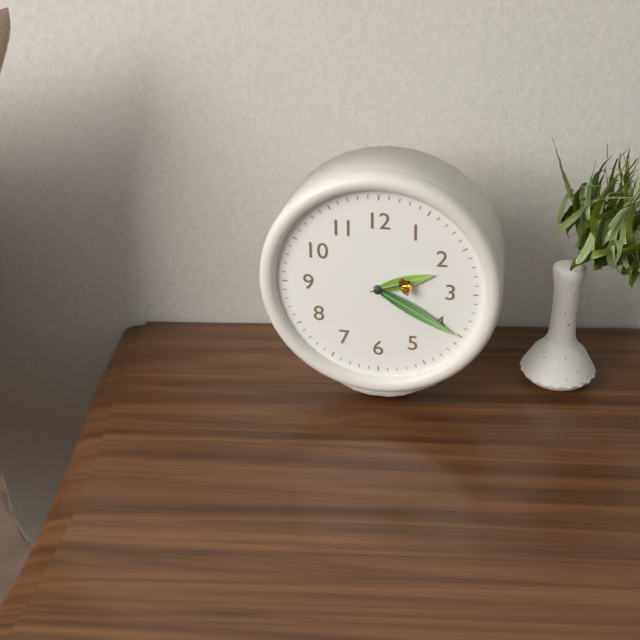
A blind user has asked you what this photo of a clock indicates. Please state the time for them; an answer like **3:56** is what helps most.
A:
**2:20**
